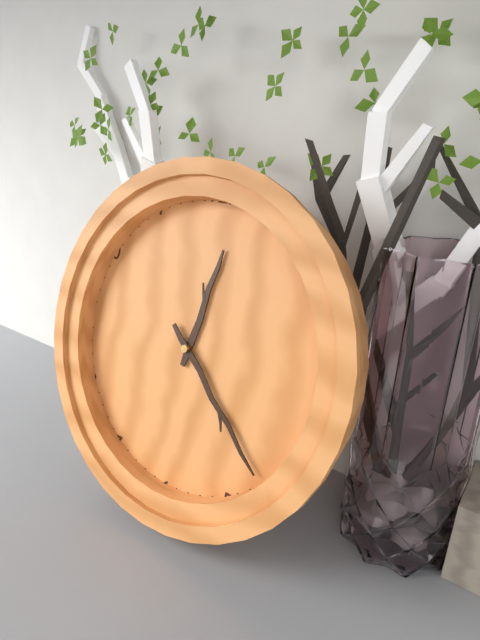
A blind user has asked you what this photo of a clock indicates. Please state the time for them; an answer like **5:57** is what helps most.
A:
**12:22**
